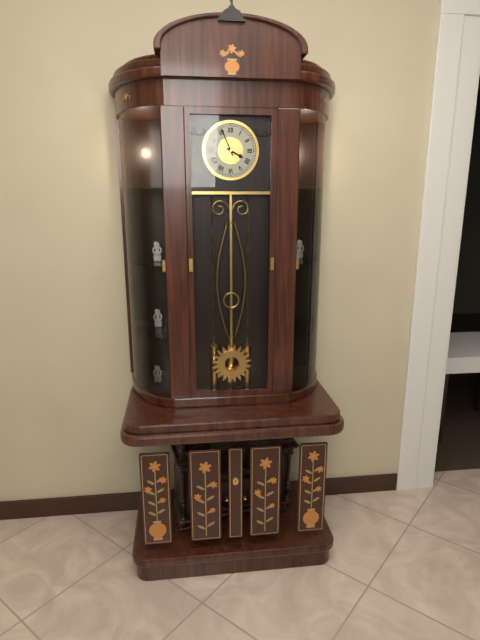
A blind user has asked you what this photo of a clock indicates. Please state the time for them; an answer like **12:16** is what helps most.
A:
**3:56**
